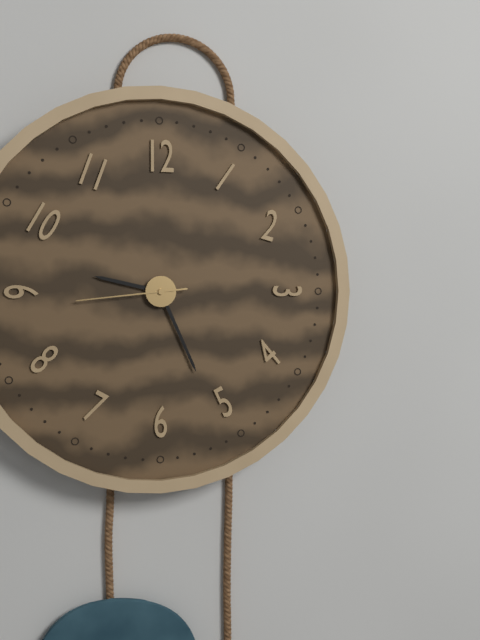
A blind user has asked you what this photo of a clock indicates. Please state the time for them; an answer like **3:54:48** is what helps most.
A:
**9:26:44**
